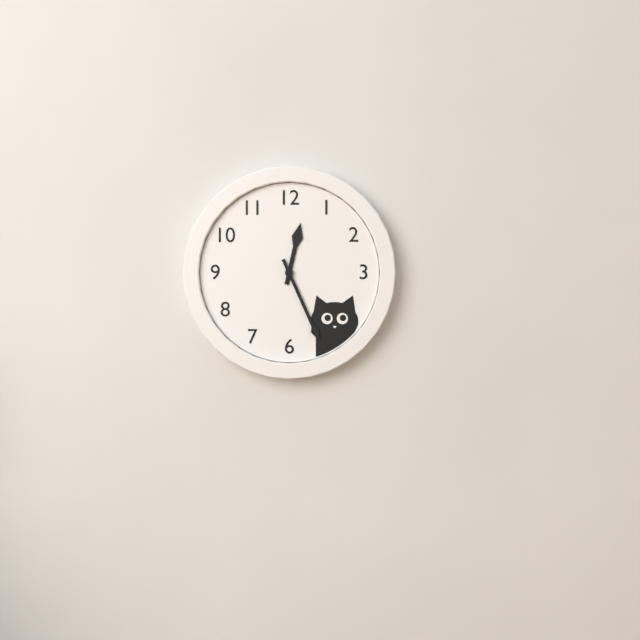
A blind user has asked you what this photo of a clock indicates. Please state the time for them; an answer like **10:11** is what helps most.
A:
**12:26**
